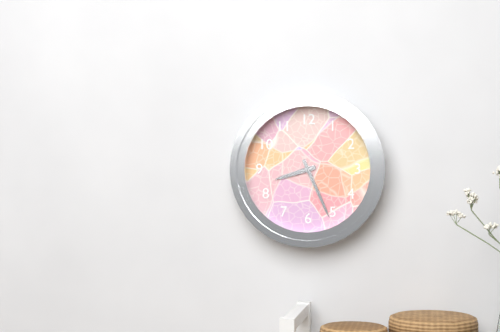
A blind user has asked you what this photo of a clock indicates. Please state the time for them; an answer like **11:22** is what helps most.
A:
**8:26**
